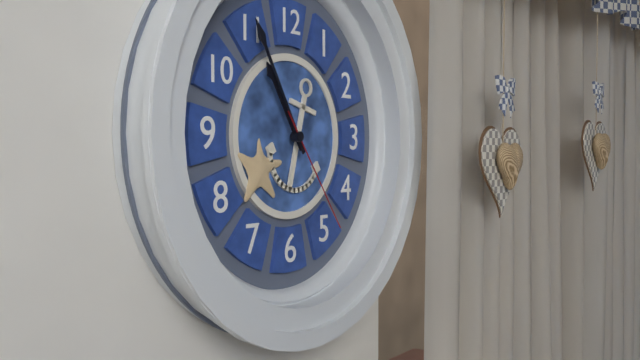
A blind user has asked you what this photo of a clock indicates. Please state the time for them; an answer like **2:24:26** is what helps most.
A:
**10:55:24**
